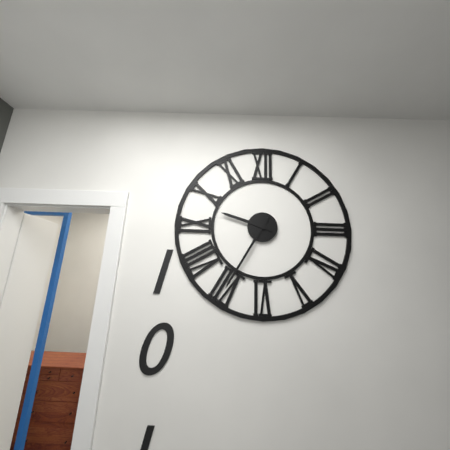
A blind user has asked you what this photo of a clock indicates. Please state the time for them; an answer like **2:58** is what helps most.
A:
**9:35**
